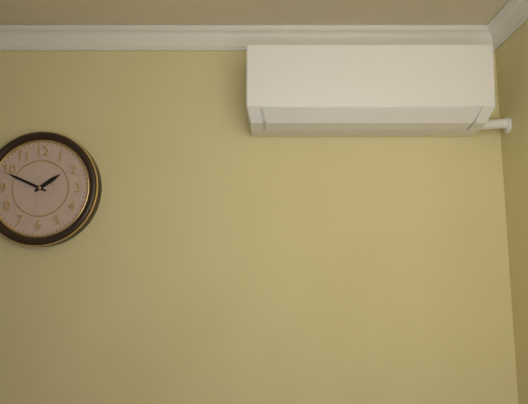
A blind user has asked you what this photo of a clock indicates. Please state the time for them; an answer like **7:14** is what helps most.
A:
**1:49**
